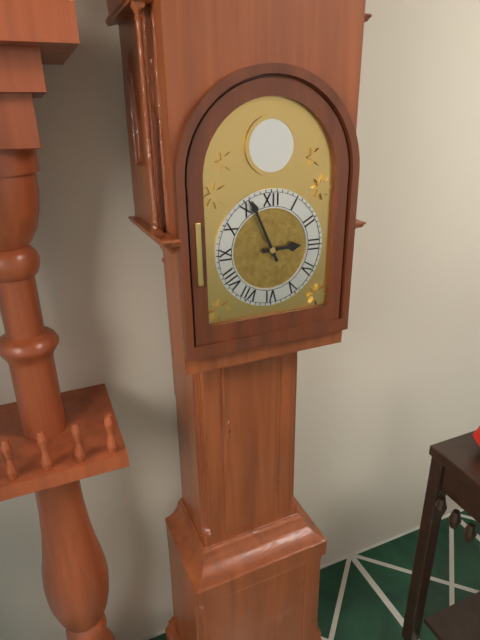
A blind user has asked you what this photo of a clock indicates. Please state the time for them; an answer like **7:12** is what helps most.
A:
**2:56**
